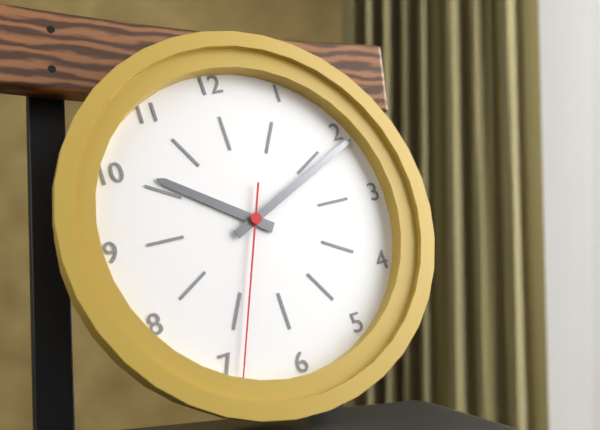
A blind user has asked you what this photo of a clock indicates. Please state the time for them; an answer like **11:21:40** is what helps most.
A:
**10:11:34**
